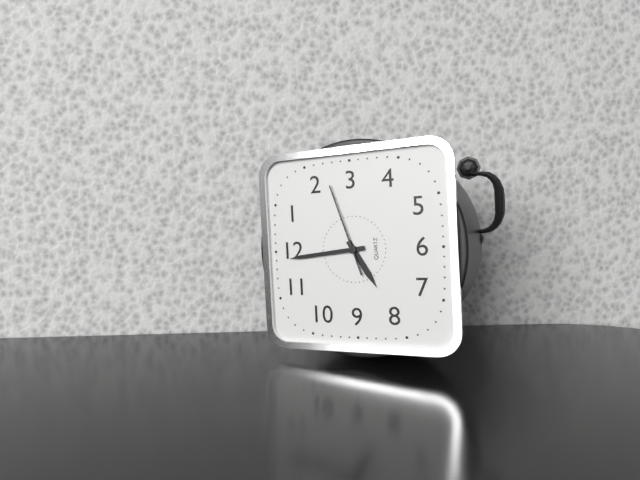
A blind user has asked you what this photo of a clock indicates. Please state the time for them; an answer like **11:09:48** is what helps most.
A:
**7:59:12**
